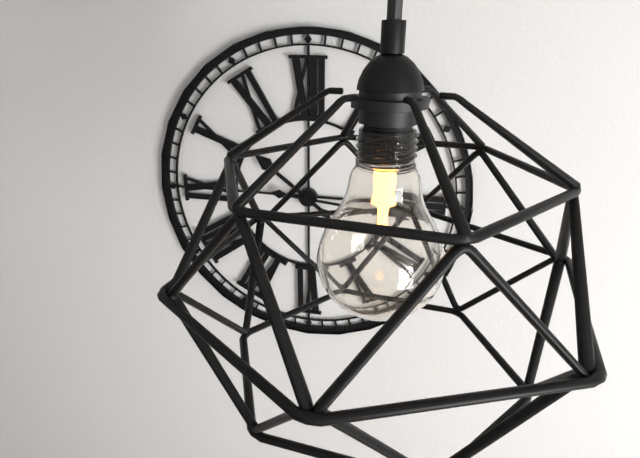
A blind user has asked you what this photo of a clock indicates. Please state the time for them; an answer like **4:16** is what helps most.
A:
**10:16**
